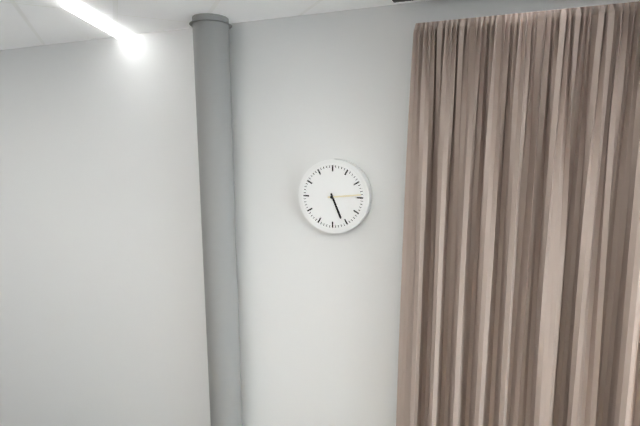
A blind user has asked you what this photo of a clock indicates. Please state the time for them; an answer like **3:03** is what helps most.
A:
**5:14**
